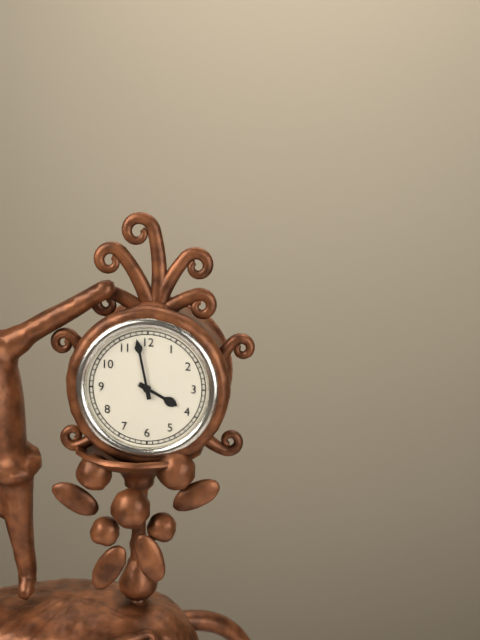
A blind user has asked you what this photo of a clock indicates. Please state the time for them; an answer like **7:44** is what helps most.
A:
**3:58**
